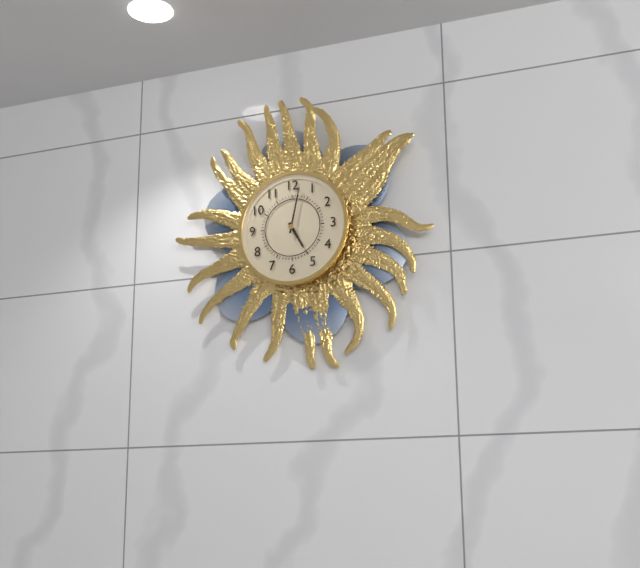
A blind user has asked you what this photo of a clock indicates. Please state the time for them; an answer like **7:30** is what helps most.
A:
**5:02**
